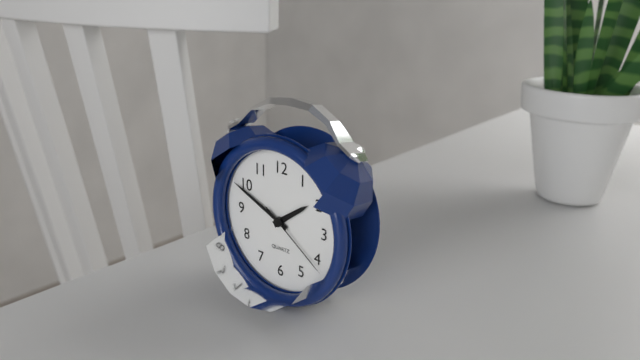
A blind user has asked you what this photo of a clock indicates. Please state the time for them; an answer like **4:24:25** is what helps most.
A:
**1:49:21**
